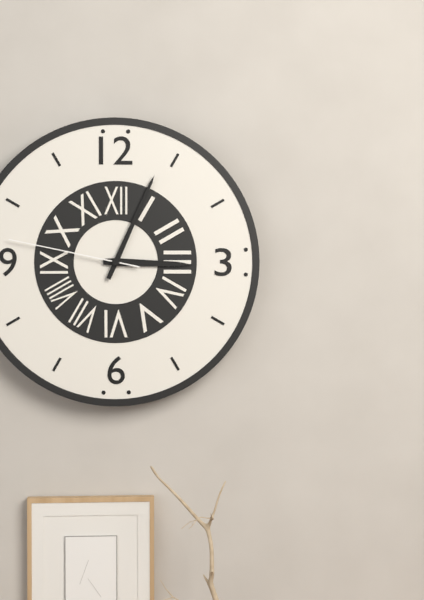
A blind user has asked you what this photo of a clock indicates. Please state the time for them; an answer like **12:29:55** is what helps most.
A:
**3:04:47**
